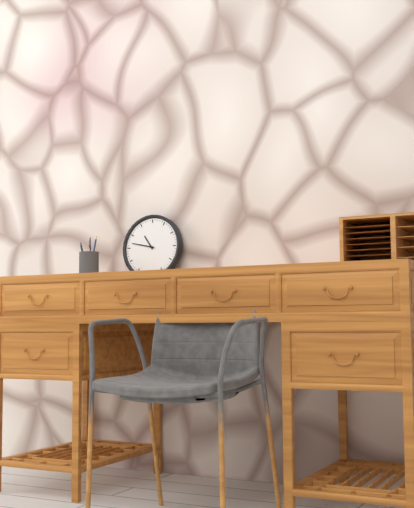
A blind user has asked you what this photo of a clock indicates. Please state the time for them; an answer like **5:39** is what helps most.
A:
**10:47**
